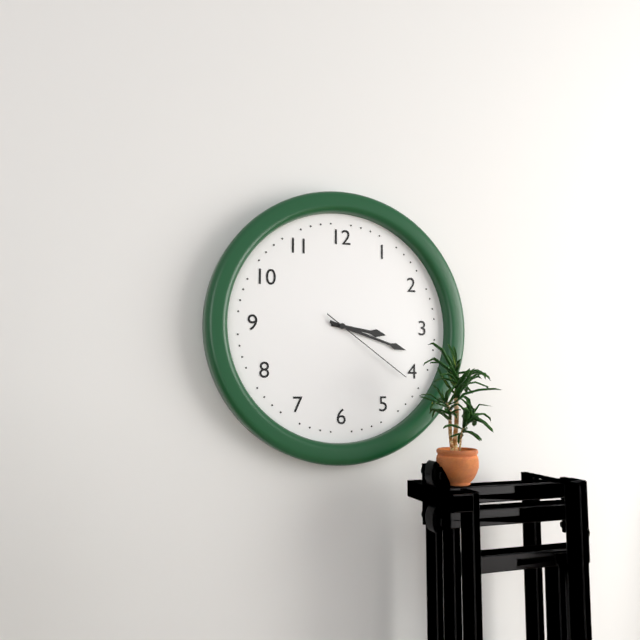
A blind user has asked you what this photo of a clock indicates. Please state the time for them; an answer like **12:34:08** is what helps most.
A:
**3:18:21**
